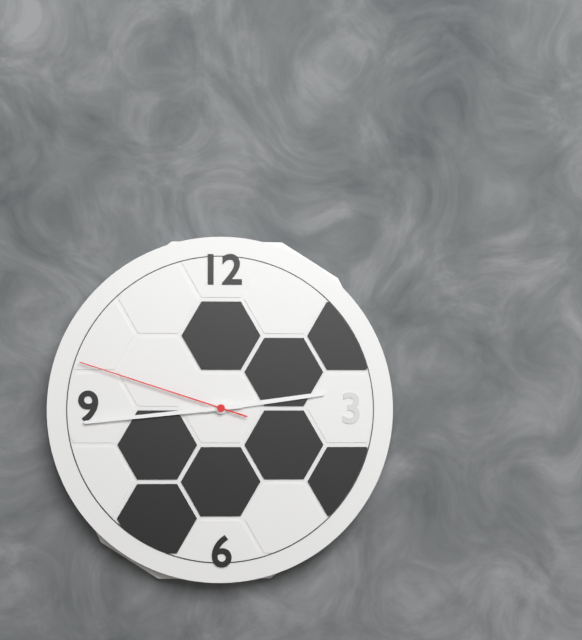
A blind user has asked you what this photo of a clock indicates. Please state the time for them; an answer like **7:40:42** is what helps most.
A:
**2:44:48**
